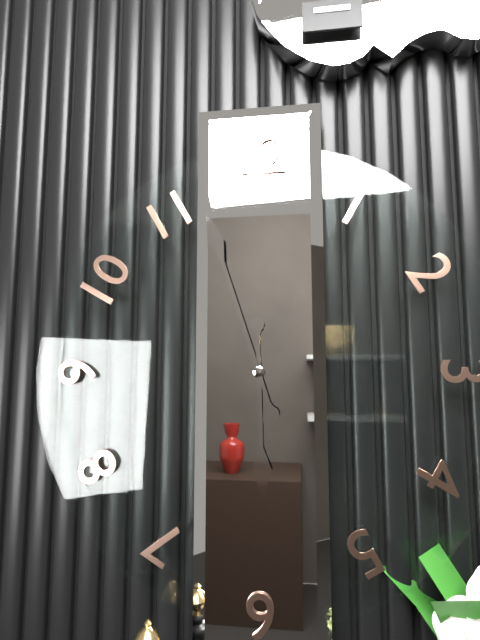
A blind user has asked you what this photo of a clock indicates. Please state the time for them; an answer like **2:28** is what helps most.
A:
**5:57**
